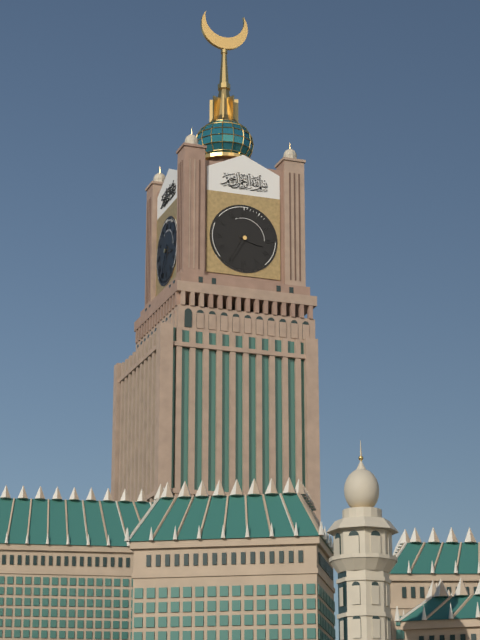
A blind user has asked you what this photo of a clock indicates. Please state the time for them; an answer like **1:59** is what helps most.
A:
**3:35**
